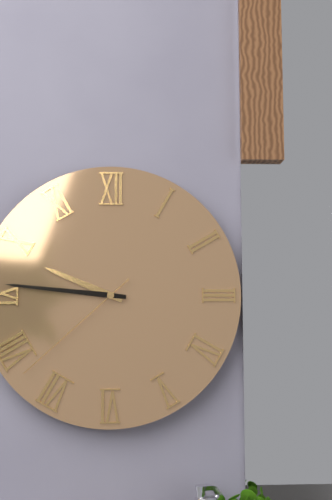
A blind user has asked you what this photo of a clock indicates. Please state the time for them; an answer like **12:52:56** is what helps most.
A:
**9:46:38**
